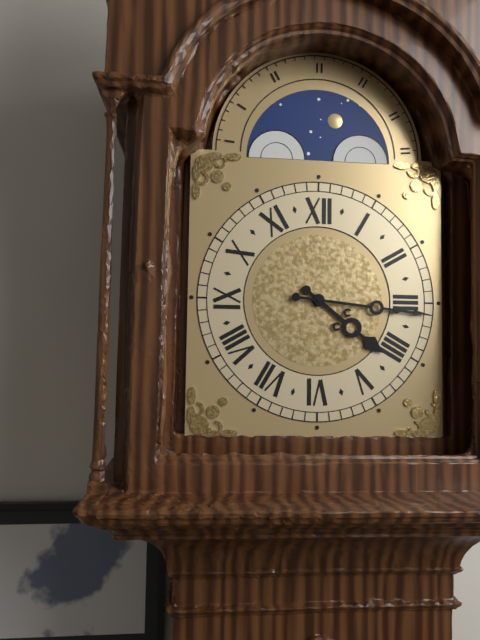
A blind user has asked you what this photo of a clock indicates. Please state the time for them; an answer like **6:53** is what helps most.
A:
**4:16**
